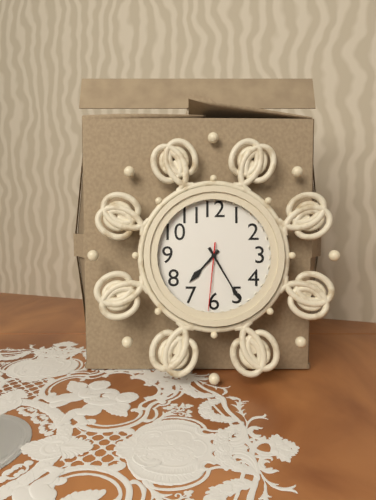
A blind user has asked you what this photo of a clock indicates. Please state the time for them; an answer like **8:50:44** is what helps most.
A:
**7:25:31**
